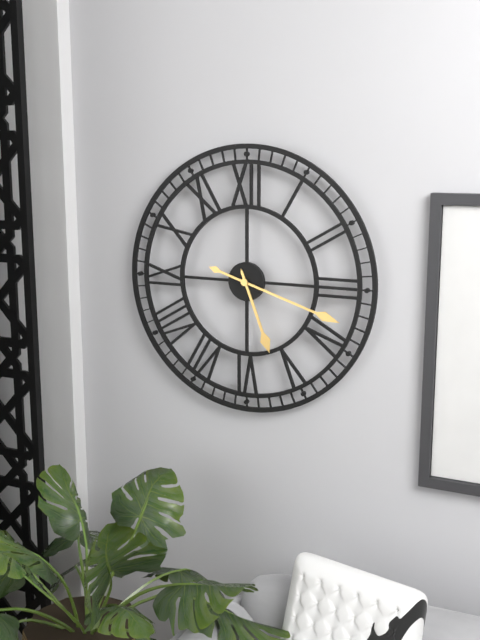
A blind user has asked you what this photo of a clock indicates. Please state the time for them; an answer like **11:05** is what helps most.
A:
**5:18**
